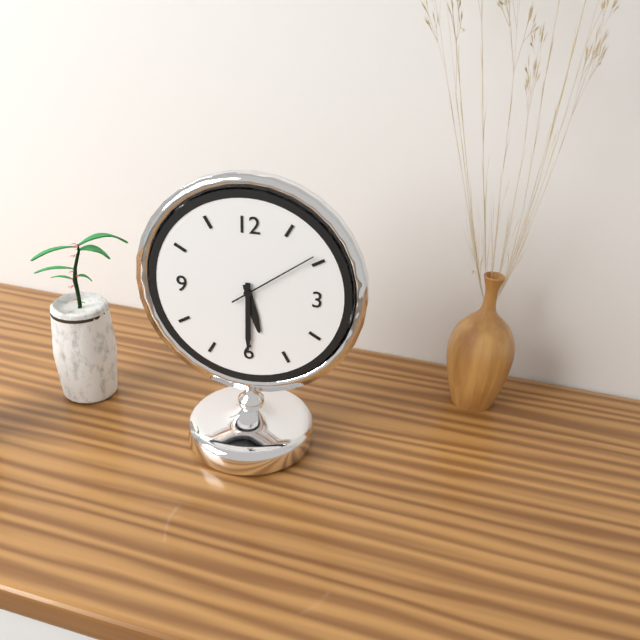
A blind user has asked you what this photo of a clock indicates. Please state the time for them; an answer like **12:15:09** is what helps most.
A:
**5:30:09**
